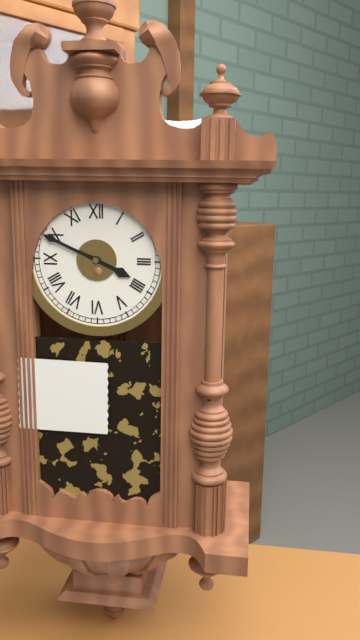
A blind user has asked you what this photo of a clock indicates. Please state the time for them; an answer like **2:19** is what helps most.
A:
**3:49**
